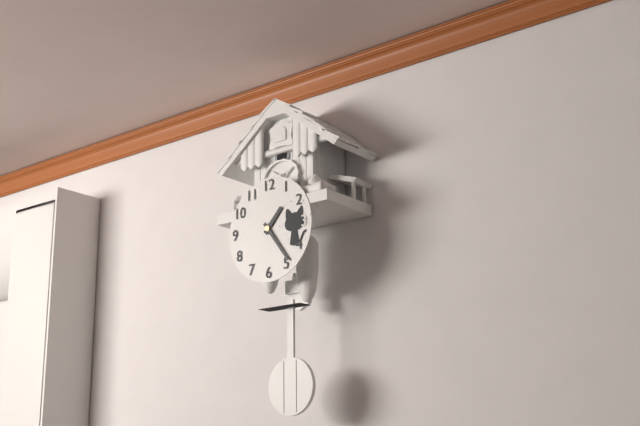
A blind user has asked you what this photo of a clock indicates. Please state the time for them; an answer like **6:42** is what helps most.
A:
**1:24**
